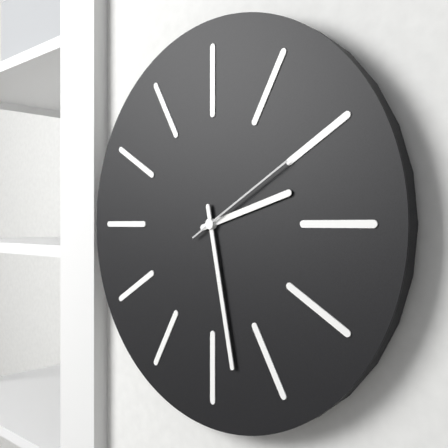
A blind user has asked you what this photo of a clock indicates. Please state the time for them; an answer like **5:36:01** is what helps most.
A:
**2:28:10**
